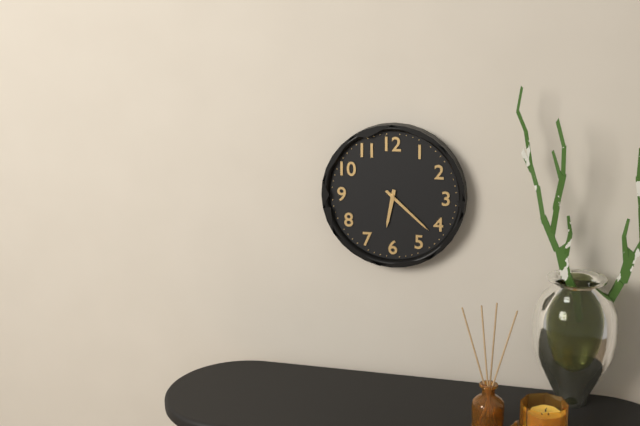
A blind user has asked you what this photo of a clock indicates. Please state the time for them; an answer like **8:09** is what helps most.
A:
**6:22**
